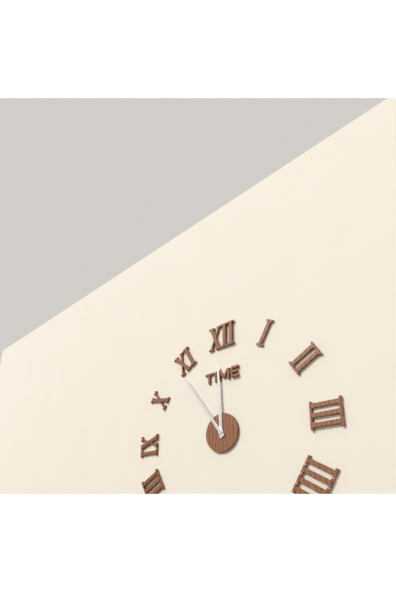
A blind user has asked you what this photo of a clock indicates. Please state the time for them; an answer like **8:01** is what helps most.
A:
**11:54**
